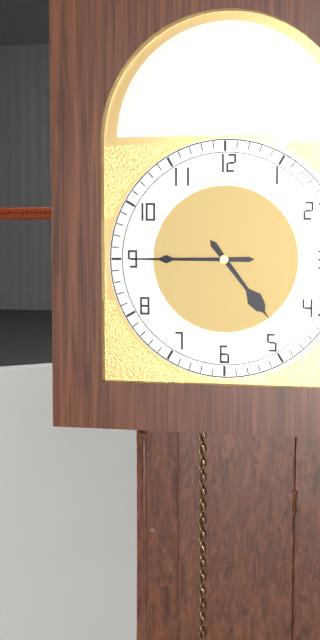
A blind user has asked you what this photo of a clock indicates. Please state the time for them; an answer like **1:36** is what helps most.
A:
**4:45**
